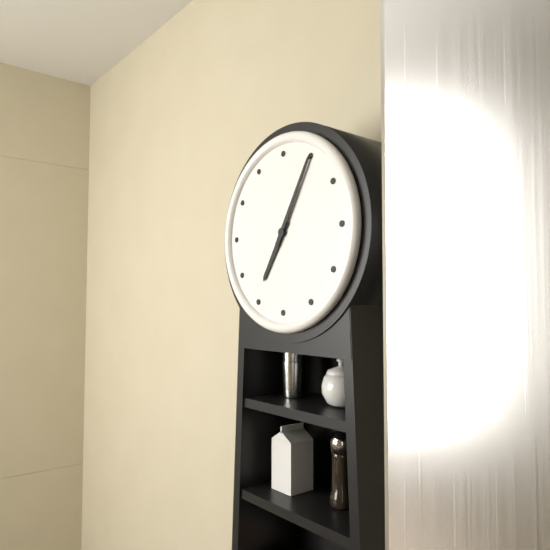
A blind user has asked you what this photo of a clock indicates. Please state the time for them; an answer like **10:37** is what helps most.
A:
**7:05**
